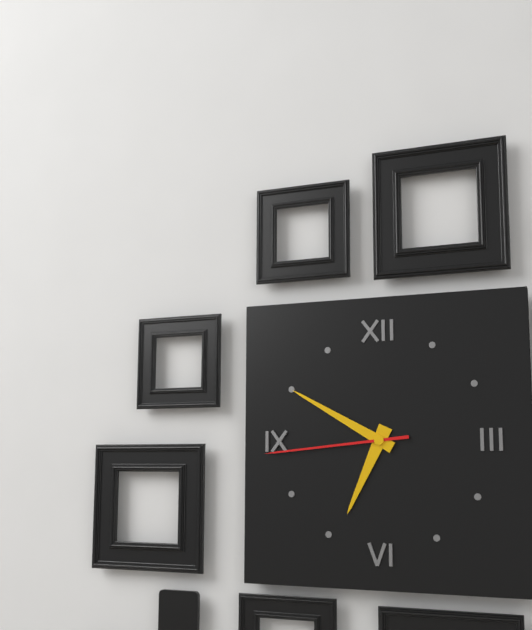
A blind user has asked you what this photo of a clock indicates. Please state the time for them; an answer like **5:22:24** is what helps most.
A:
**6:50:44**
